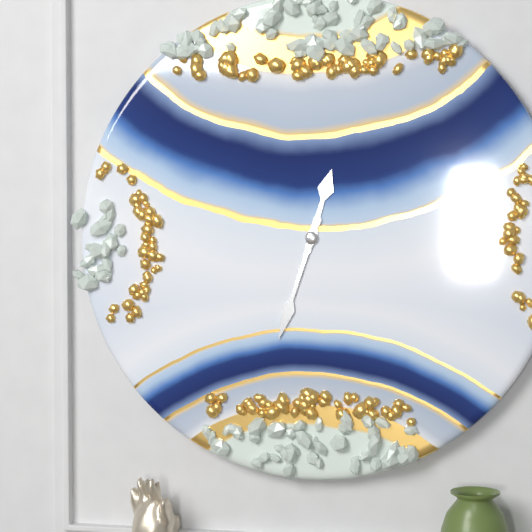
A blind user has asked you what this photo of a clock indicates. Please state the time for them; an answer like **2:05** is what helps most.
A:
**12:33**
